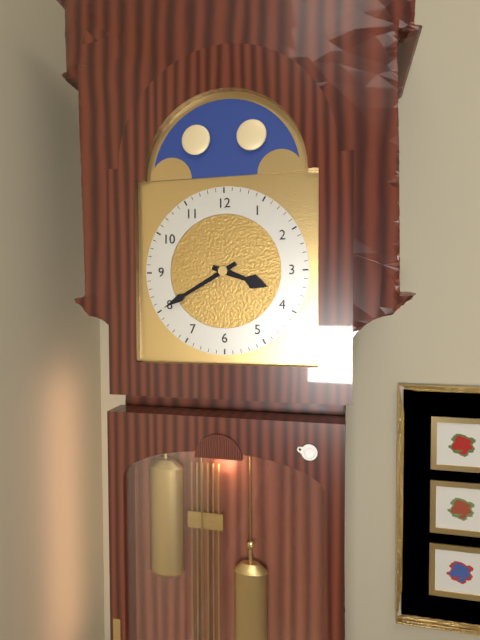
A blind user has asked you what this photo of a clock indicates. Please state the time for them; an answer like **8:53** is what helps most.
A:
**3:40**
